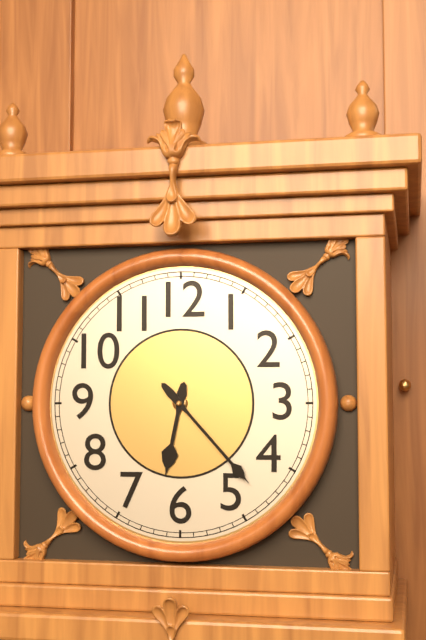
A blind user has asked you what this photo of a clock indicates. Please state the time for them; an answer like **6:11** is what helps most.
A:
**6:23**
